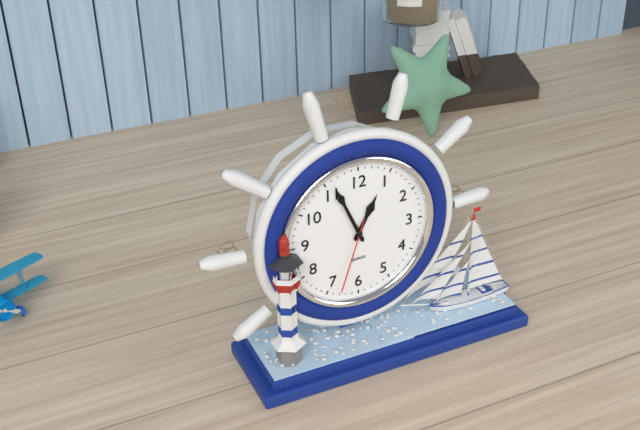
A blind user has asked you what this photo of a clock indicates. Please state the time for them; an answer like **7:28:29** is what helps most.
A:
**12:56:33**
